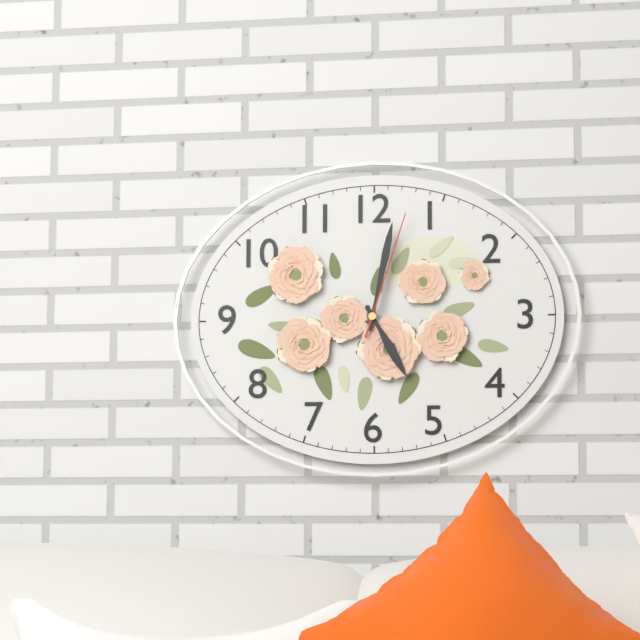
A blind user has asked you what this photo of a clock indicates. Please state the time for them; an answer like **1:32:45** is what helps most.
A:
**5:02:03**
